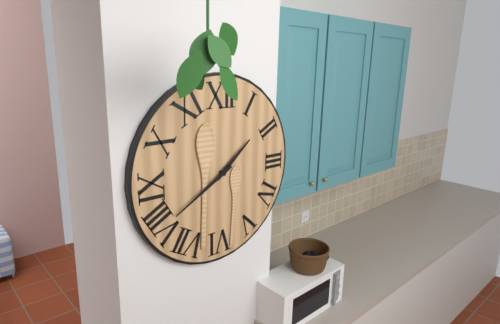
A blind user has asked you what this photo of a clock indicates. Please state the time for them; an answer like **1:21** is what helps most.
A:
**1:40**
